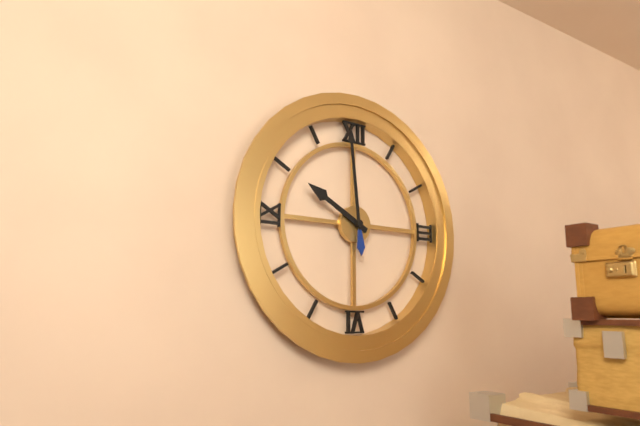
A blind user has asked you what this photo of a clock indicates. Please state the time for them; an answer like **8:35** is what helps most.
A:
**9:59**
